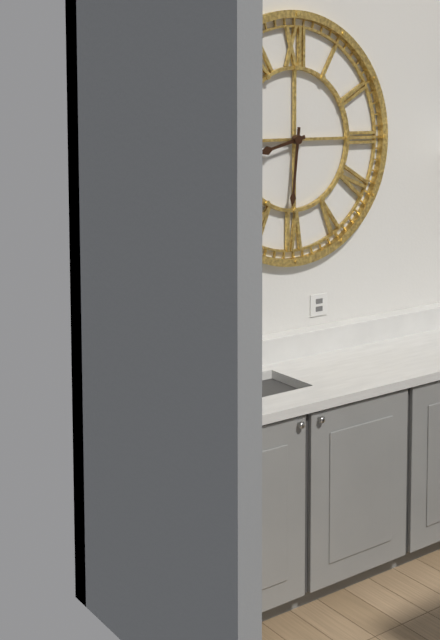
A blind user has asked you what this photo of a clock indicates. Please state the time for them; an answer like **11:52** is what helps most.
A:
**8:31**
